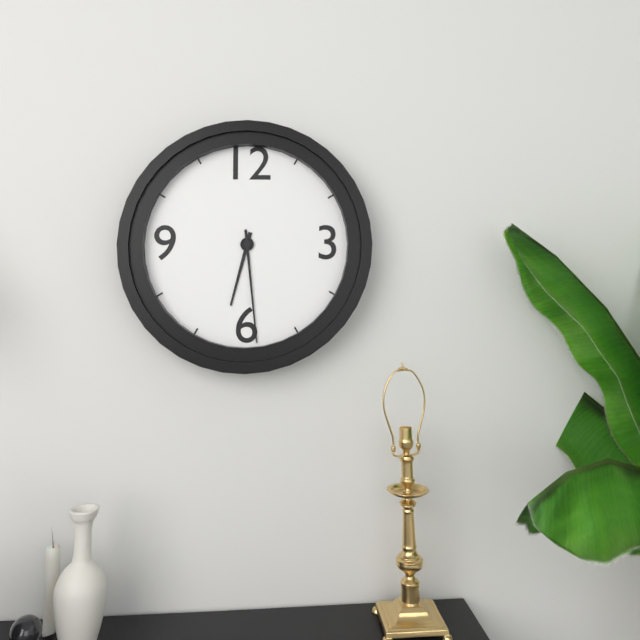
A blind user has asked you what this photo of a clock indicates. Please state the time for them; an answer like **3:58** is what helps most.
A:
**6:29**
